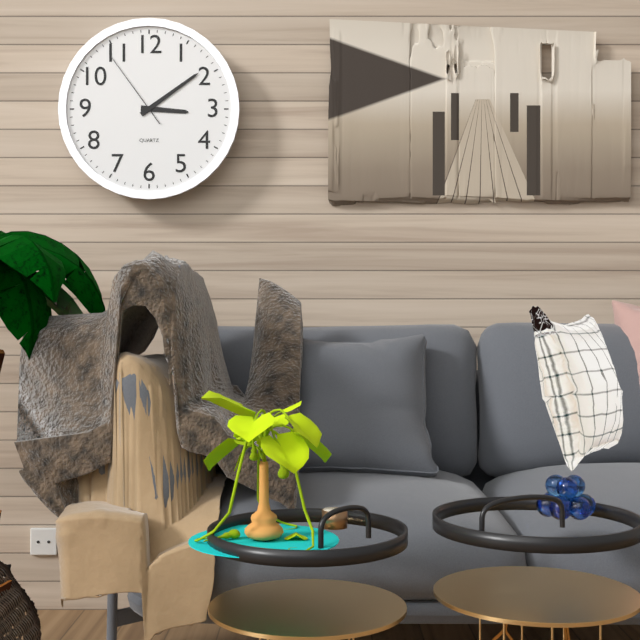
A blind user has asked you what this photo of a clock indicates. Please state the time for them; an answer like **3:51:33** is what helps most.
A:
**3:09:54**
